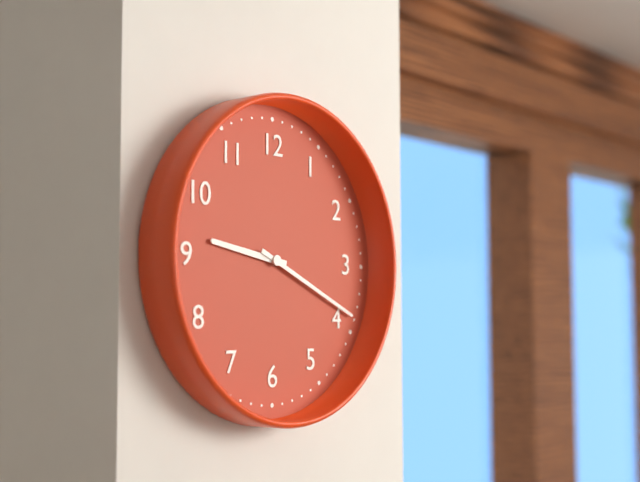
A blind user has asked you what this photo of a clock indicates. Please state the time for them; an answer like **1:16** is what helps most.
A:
**9:19**
